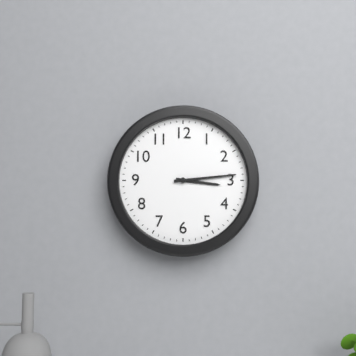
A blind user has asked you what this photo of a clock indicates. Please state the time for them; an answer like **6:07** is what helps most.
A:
**3:14**
